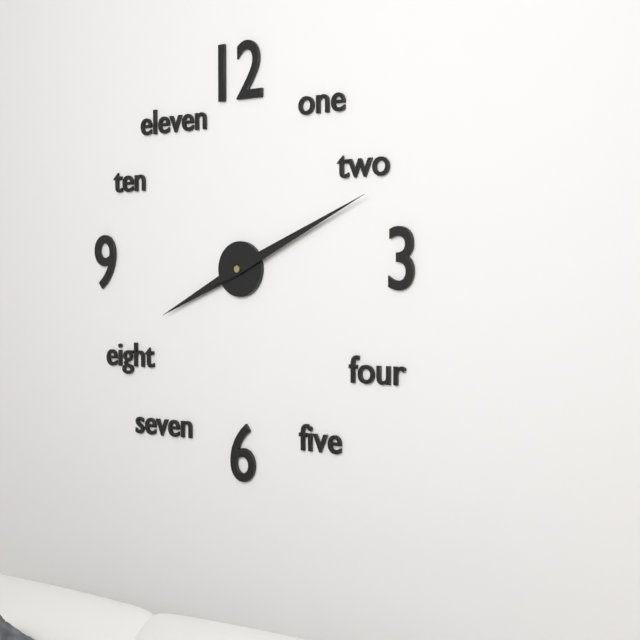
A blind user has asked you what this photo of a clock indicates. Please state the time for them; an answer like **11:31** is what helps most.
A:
**8:11**
